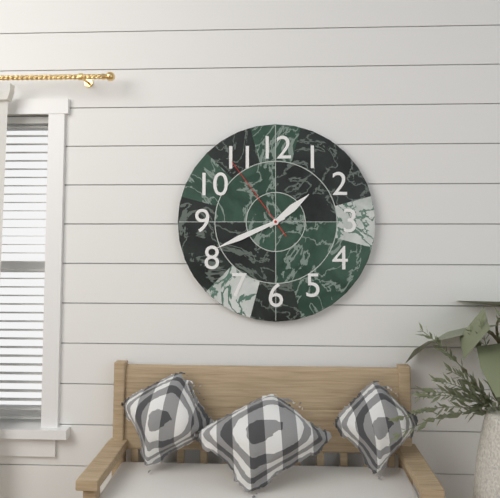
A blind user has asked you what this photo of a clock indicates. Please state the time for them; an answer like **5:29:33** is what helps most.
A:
**1:41:54**
